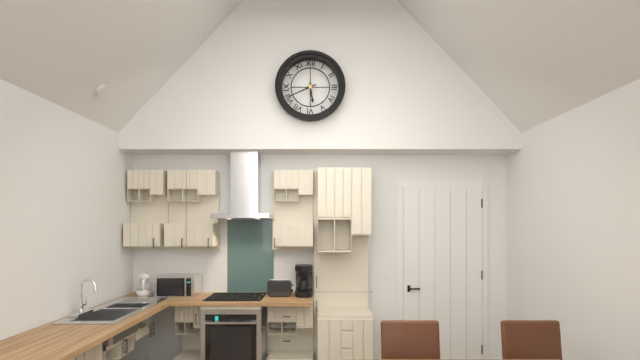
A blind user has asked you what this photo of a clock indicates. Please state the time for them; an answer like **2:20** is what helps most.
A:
**5:41**
